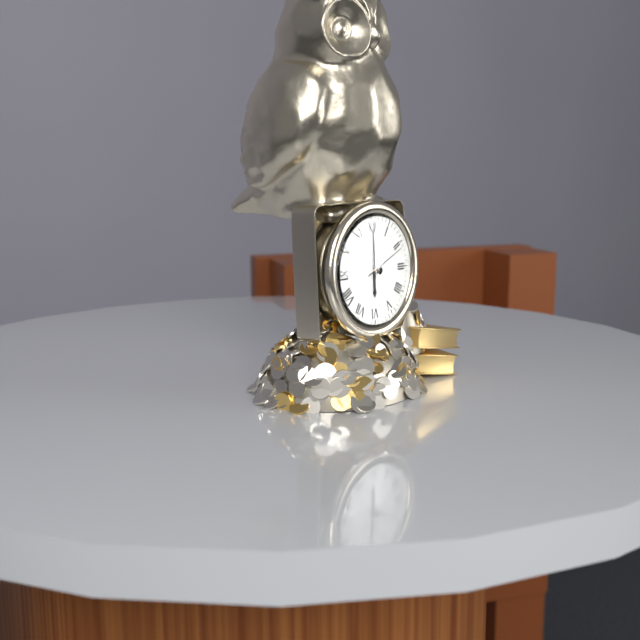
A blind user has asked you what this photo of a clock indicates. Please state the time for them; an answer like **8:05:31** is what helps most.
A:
**6:00:11**
